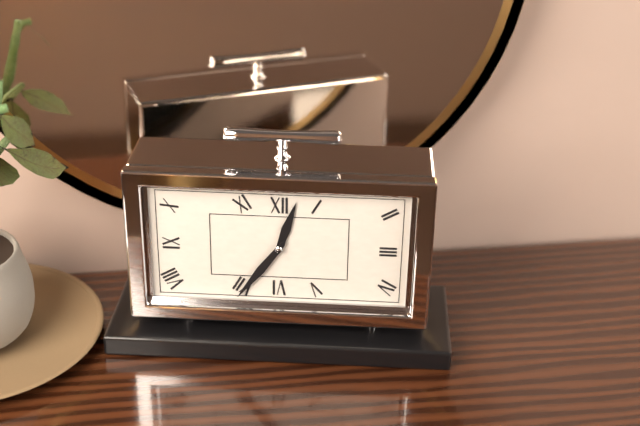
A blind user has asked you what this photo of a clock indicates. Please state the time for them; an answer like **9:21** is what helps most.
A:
**12:36**
